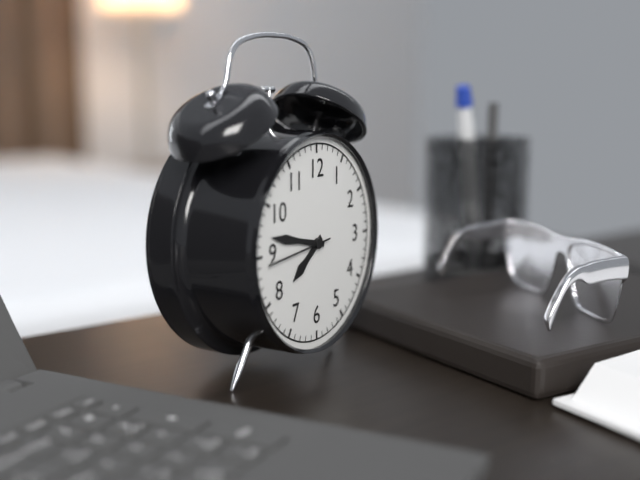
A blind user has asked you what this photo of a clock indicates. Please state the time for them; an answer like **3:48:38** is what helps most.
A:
**7:47:44**
